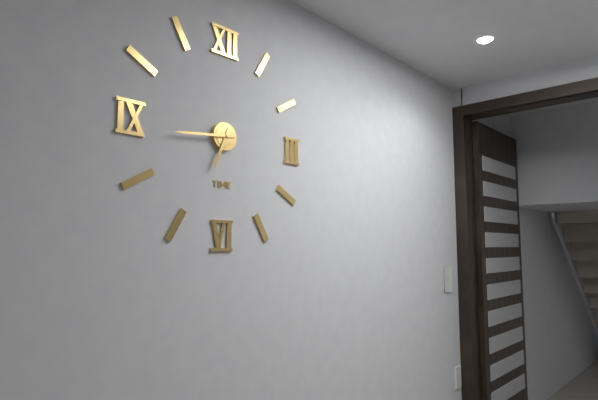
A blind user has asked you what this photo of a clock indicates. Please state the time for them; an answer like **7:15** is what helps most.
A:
**6:44**
